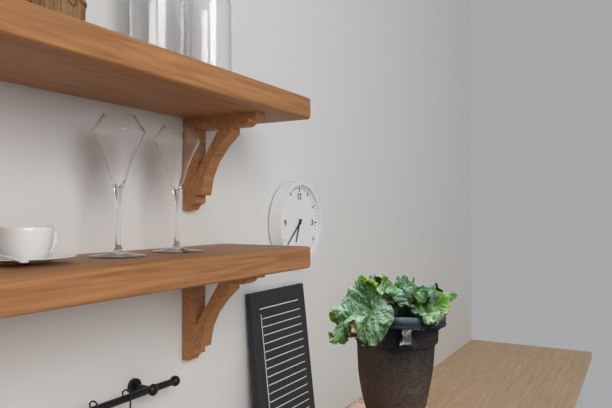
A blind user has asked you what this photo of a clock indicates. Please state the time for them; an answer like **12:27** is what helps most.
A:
**6:38**
